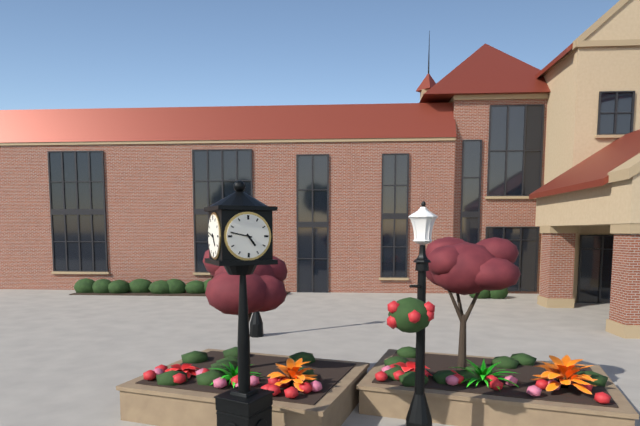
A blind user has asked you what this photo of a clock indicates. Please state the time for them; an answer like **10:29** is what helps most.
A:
**4:47**
